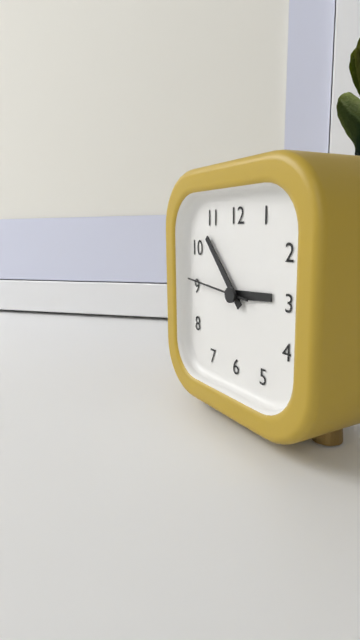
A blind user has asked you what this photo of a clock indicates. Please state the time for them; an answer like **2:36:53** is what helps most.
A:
**2:53:46**
